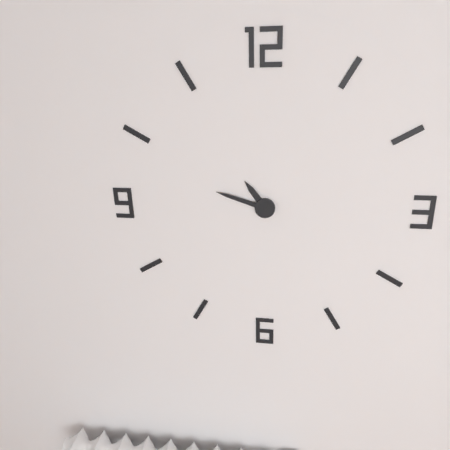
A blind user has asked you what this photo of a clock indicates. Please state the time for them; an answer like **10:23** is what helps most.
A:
**10:48**
